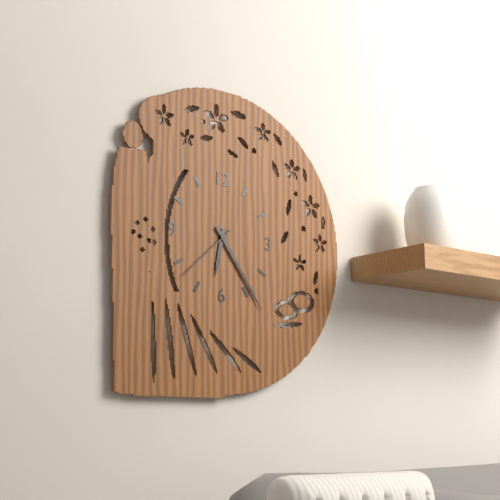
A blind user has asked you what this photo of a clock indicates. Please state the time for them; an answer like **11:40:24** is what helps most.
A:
**6:24:38**
